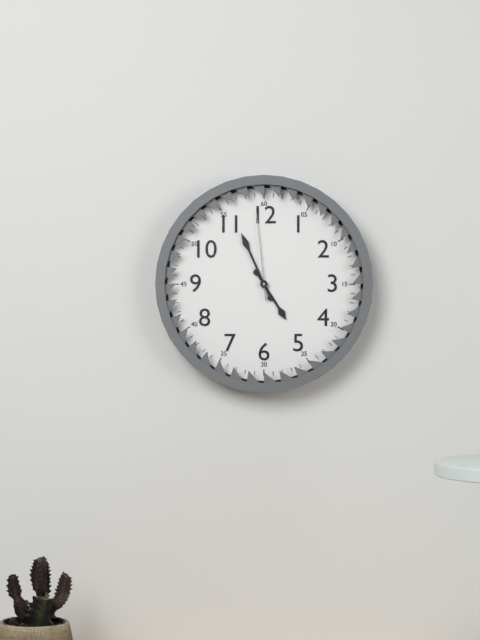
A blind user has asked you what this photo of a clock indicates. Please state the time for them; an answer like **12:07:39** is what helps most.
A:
**4:56:59**
